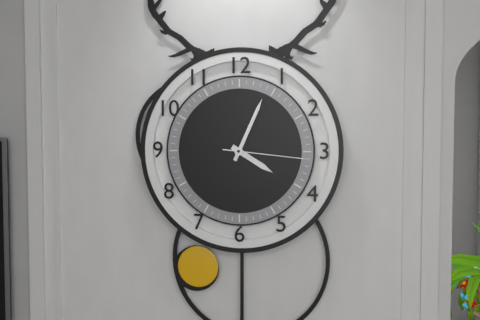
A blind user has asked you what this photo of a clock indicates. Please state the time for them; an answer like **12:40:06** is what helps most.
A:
**4:04:16**
